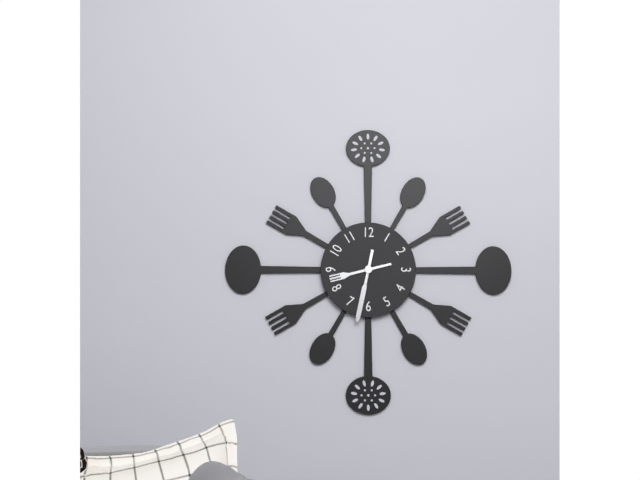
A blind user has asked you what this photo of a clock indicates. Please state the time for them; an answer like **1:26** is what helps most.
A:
**8:32**
